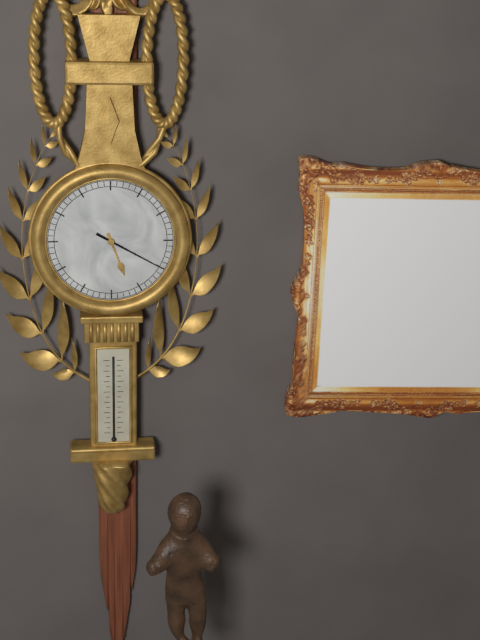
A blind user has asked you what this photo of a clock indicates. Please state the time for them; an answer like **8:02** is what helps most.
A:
**5:20**
